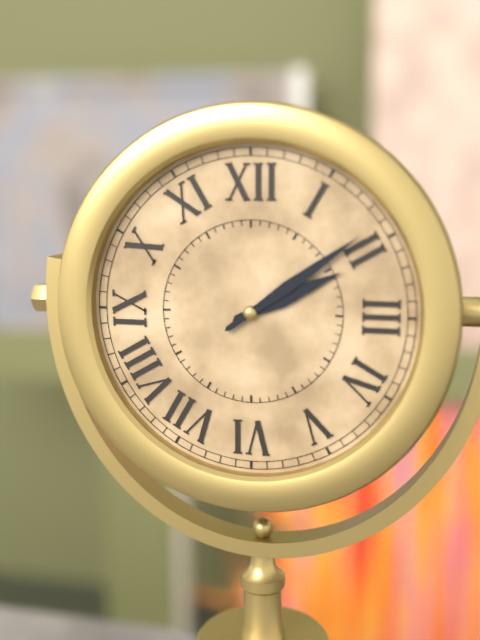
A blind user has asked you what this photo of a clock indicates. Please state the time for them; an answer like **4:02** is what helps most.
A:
**2:09**
